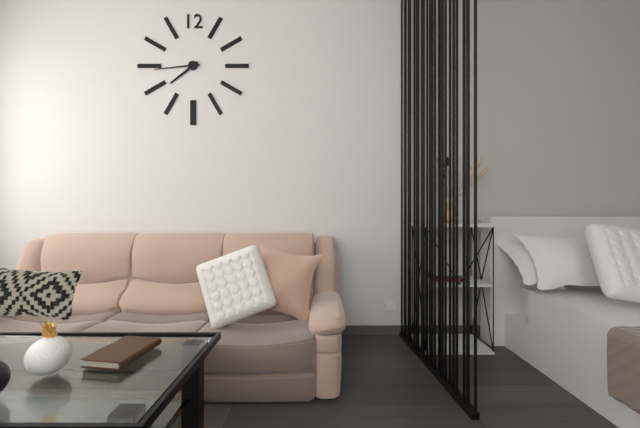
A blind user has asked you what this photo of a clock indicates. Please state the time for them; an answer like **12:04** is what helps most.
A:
**7:44**
